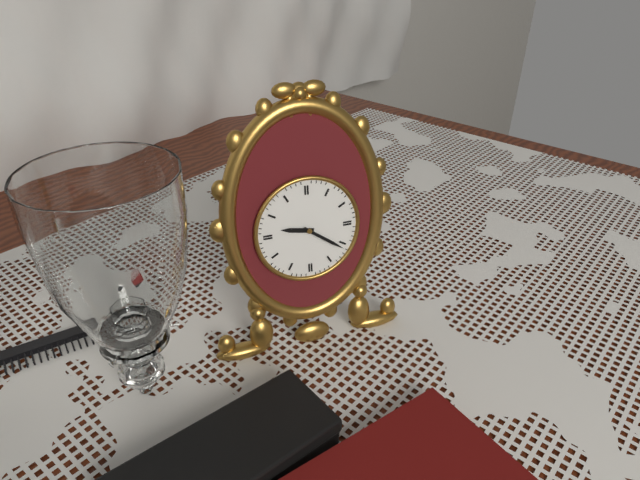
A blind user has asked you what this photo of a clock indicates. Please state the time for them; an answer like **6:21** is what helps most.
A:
**9:21**
